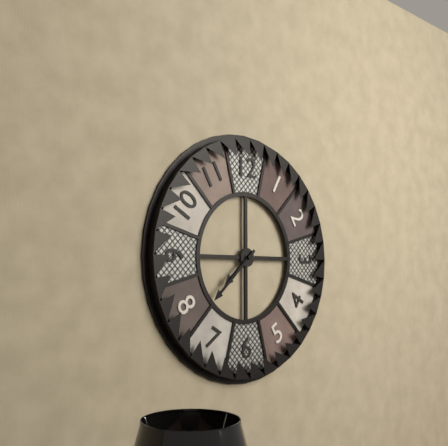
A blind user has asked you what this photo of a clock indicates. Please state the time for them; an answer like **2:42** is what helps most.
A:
**7:38**
